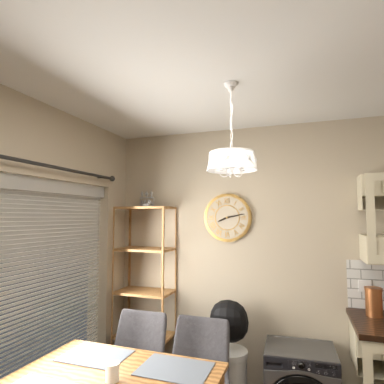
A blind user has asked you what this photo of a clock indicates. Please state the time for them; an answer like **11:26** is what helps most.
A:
**8:13**
